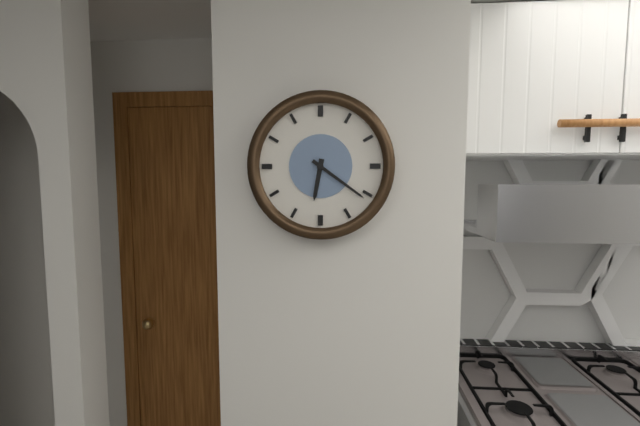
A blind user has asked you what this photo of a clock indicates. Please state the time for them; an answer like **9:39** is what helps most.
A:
**6:21**
